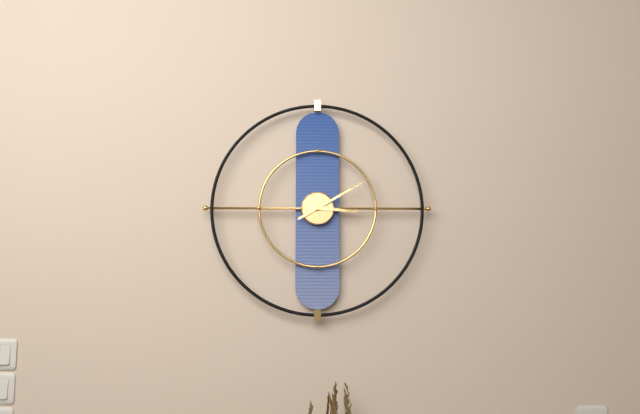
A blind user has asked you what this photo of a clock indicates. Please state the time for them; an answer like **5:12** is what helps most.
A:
**3:10**
